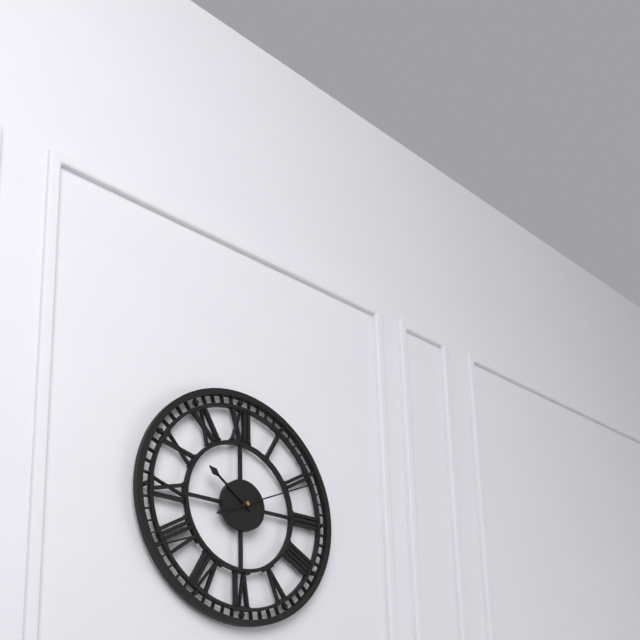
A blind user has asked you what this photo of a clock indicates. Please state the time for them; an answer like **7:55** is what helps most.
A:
**10:11**
